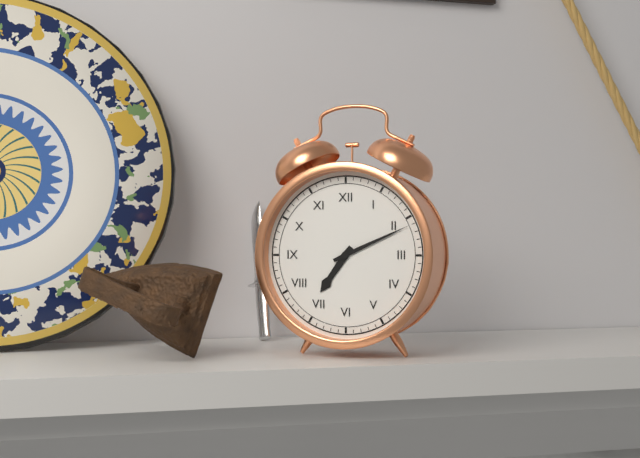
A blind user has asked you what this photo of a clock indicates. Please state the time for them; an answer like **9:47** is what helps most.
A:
**7:11**
